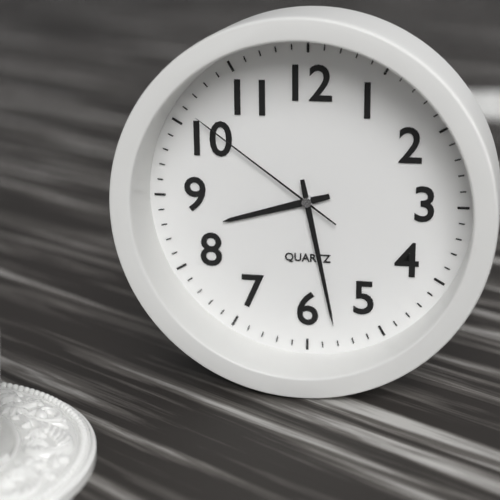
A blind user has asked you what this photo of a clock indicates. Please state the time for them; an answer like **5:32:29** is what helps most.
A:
**8:28:51**
